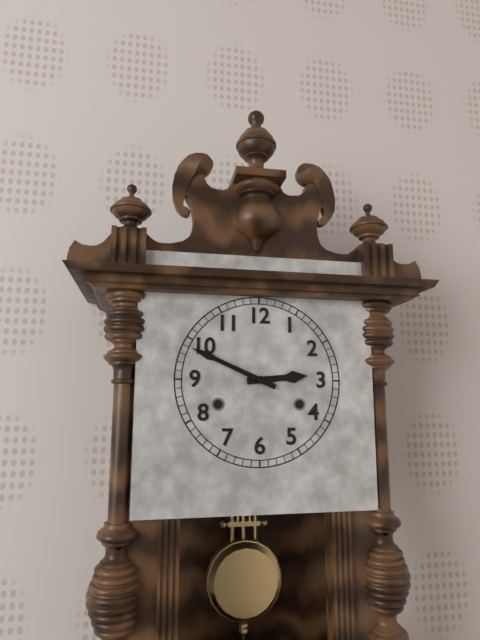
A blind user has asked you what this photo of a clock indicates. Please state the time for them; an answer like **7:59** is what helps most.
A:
**2:49**
